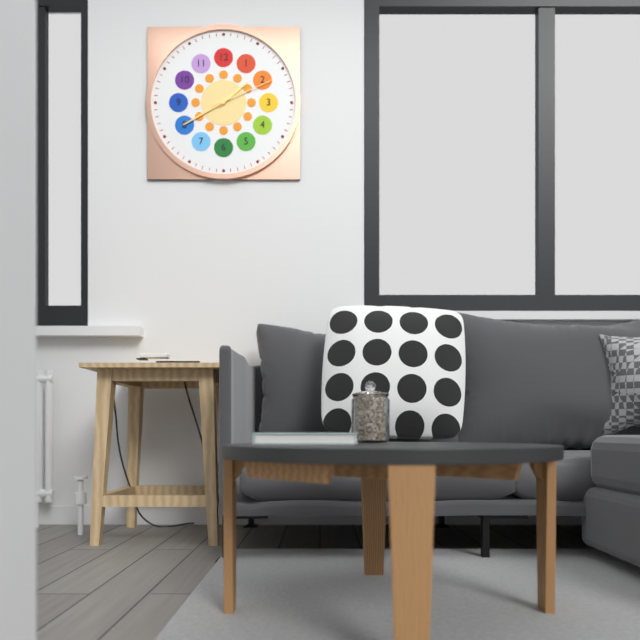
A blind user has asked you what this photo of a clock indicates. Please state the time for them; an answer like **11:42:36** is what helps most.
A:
**1:40:11**
